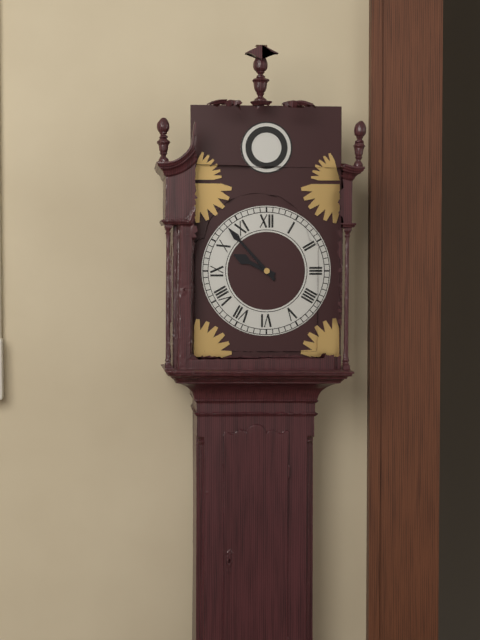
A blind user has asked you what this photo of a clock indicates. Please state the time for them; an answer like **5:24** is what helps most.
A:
**9:53**
